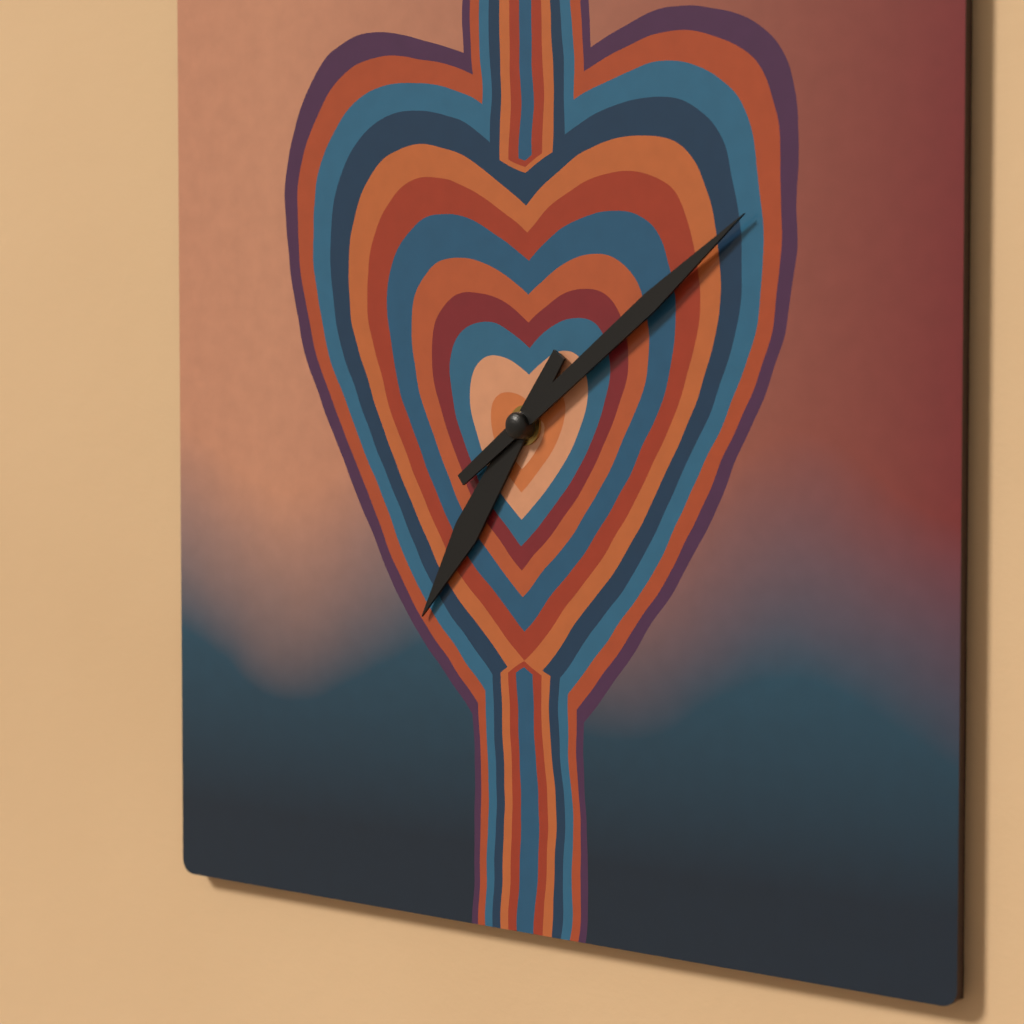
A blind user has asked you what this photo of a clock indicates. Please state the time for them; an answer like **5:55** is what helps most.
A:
**7:09**
